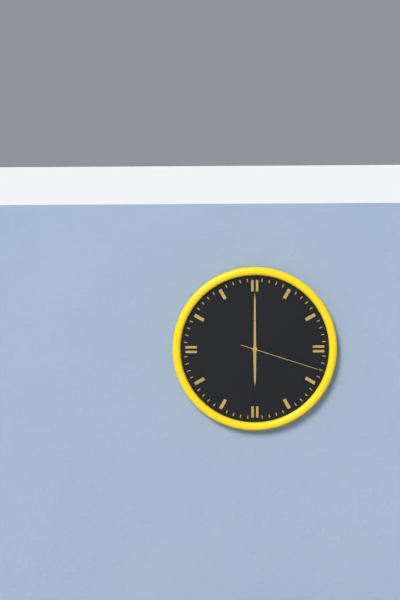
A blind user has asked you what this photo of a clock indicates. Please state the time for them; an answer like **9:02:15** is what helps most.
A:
**6:00:18**
